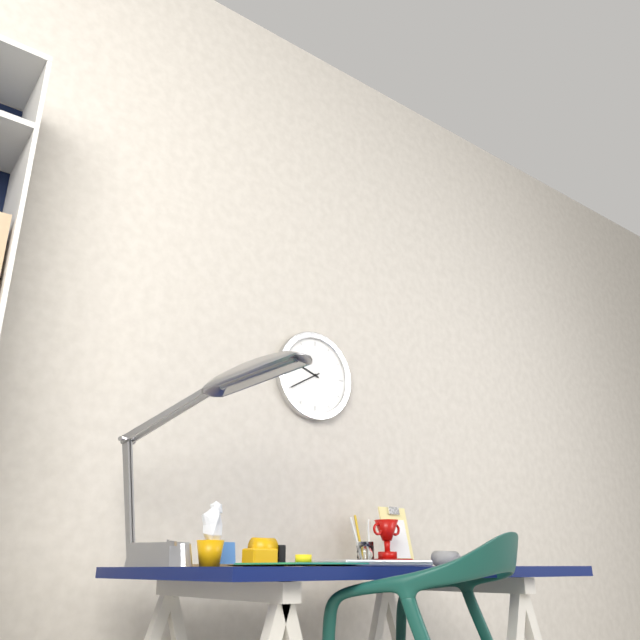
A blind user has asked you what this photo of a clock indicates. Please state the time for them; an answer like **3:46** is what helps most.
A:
**9:40**
